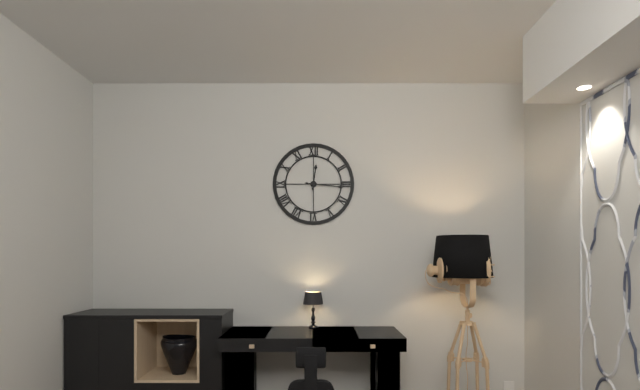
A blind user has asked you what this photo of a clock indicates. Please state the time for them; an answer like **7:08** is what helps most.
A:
**12:16**
